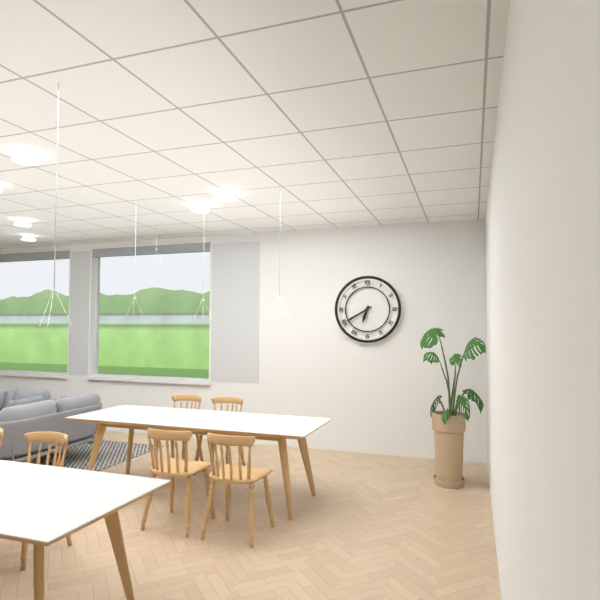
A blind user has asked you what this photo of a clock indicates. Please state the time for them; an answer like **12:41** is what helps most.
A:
**6:40**
